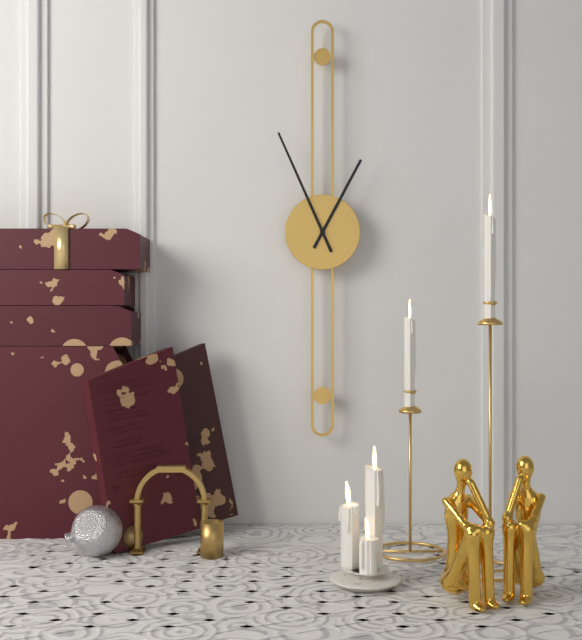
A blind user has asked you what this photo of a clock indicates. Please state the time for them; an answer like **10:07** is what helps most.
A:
**12:56**
